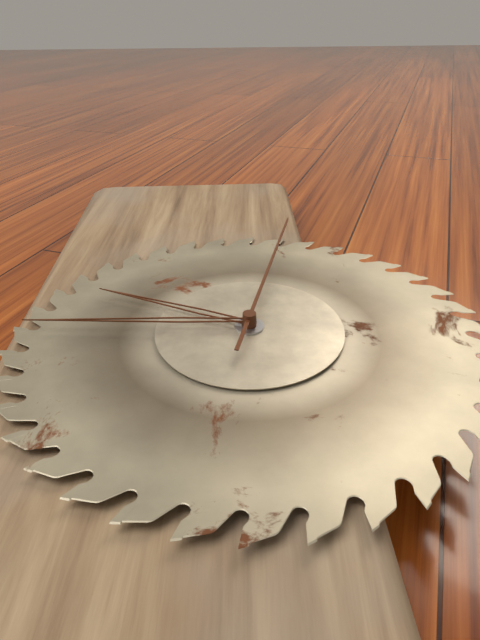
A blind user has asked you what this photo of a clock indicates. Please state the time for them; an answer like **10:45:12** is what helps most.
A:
**9:45:02**
